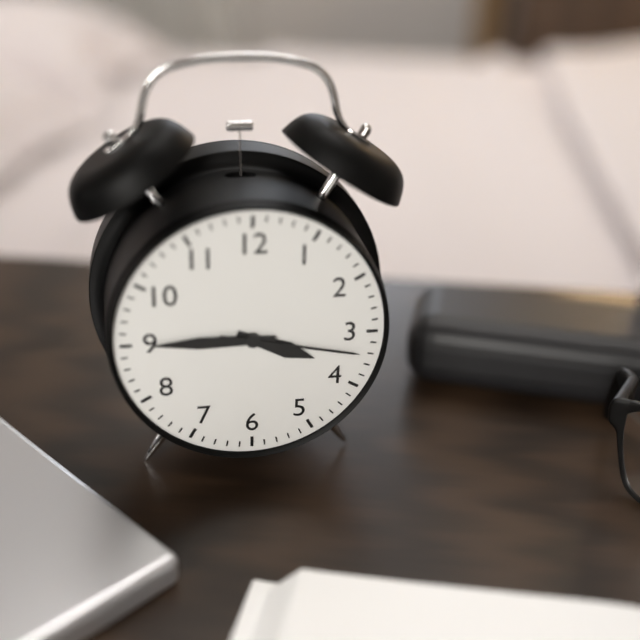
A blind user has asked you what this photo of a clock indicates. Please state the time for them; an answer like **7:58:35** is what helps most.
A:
**3:45:17**
